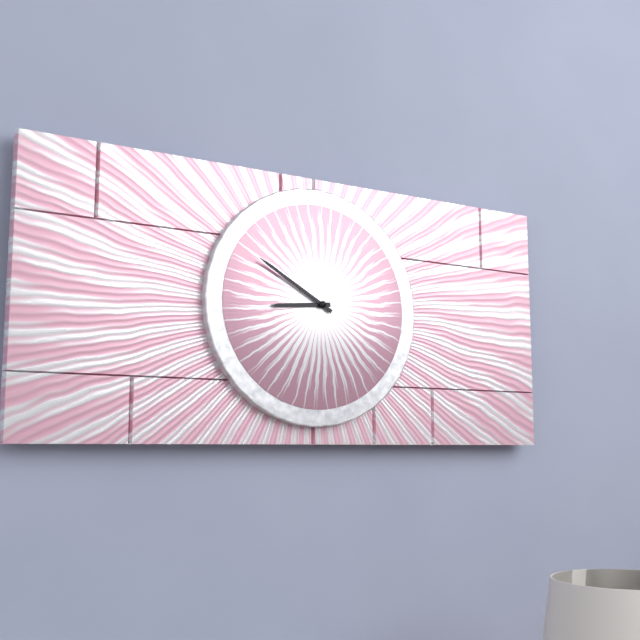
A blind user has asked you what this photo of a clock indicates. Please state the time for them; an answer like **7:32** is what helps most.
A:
**8:50**
